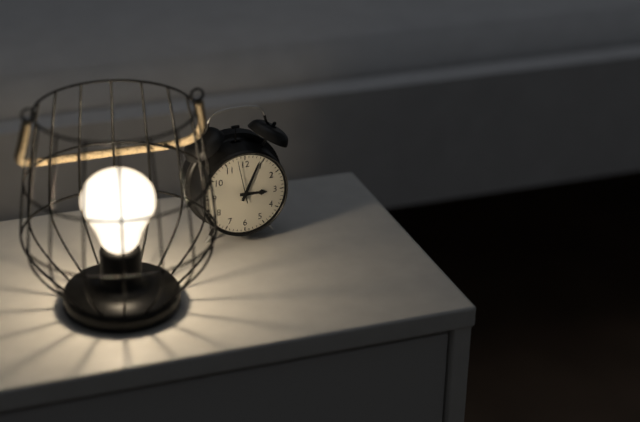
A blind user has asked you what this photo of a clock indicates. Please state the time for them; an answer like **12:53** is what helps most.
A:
**3:04**
